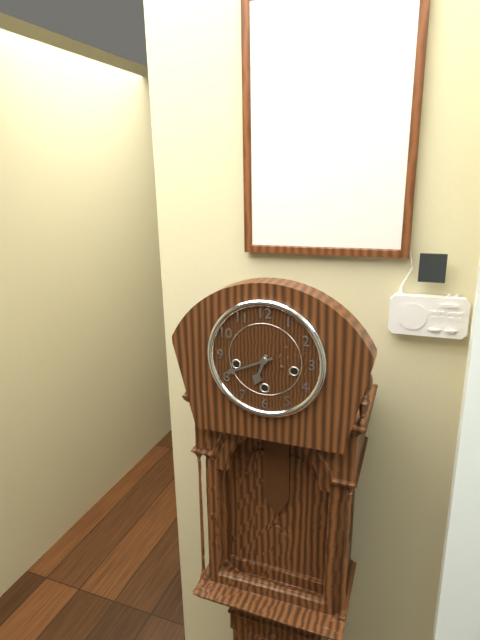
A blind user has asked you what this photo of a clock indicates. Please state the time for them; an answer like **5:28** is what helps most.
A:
**6:41**
